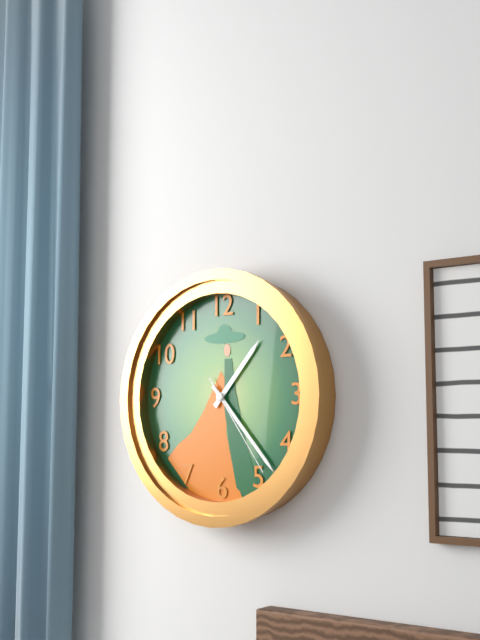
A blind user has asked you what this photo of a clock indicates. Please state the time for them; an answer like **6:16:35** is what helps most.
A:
**1:23:24**
